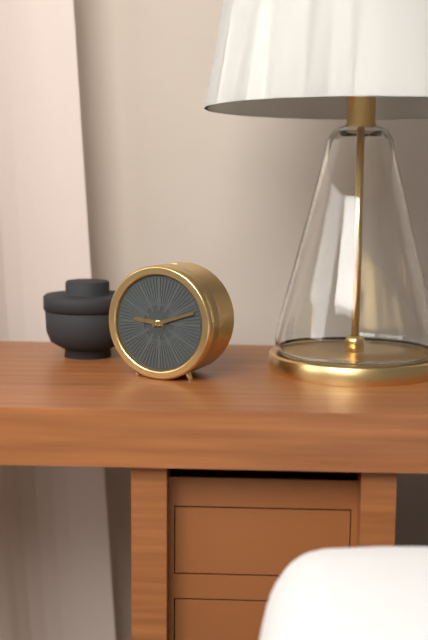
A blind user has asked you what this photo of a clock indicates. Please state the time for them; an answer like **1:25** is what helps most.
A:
**9:12**
